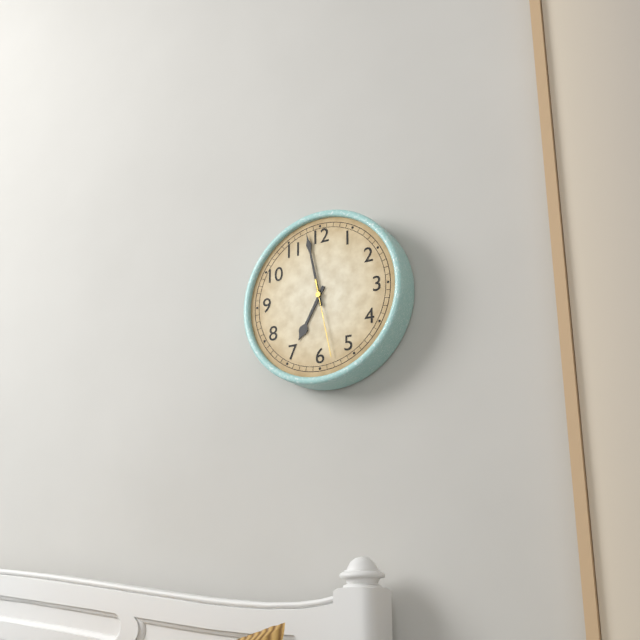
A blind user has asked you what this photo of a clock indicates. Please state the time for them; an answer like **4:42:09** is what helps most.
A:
**6:58:28**
